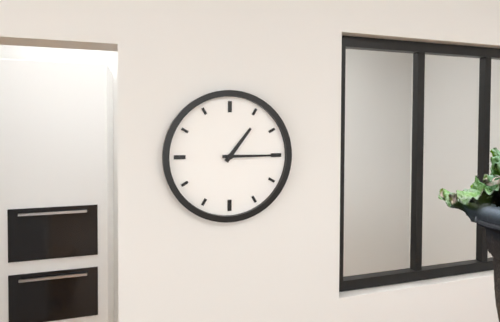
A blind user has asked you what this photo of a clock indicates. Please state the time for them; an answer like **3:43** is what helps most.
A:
**1:15**
